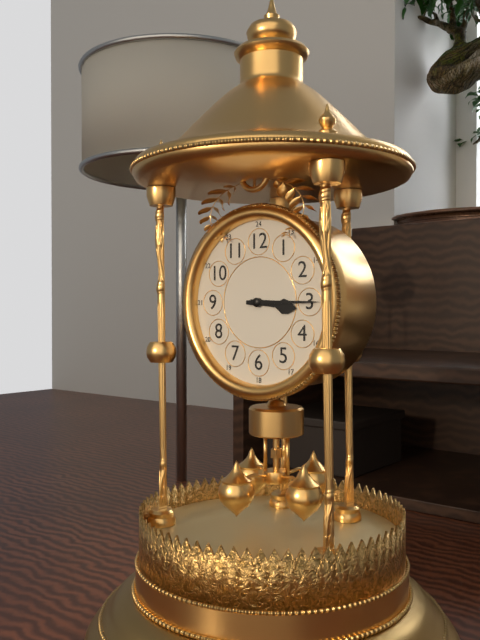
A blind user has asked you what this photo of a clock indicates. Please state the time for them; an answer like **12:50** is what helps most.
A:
**3:15**
